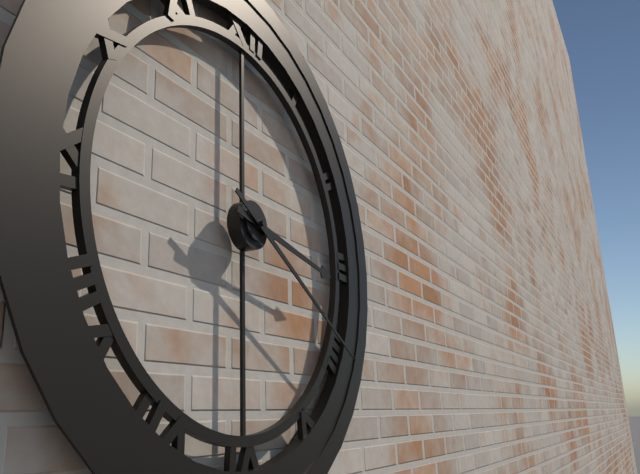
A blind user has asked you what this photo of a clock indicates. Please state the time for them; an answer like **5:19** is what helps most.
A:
**3:20**
